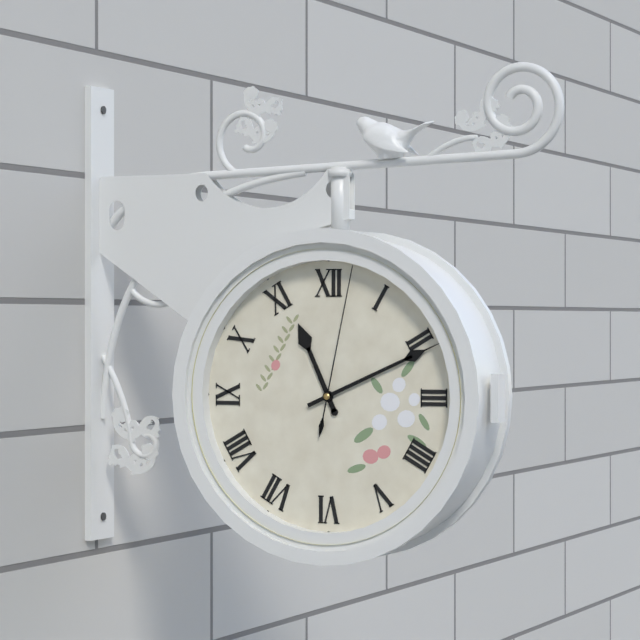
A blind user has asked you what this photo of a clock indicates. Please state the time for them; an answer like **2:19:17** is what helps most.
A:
**11:11:02**
